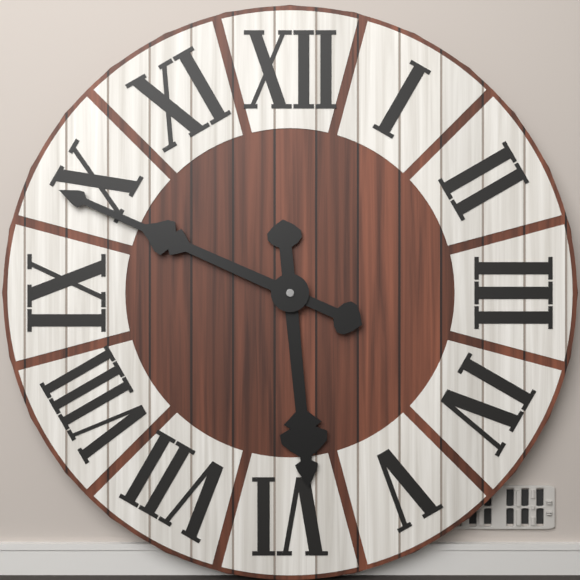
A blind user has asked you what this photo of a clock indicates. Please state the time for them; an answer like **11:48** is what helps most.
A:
**5:49**
